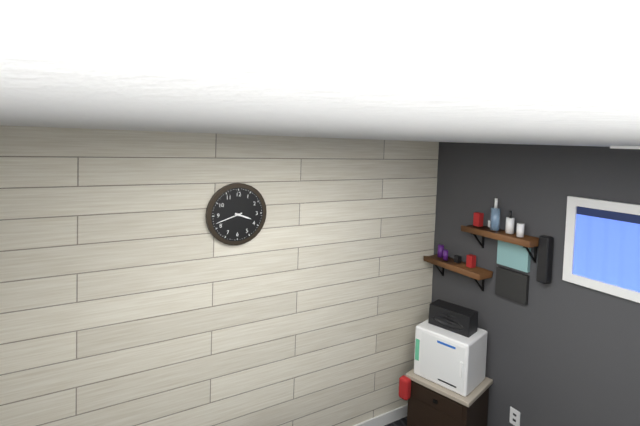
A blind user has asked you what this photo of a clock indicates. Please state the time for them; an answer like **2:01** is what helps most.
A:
**3:42**
